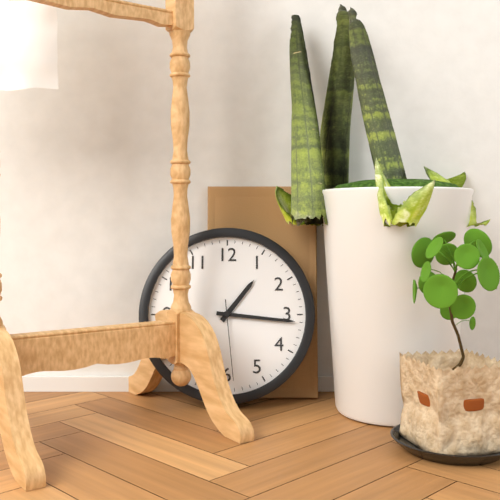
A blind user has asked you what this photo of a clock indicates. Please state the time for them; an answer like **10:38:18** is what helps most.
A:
**1:16:29**
